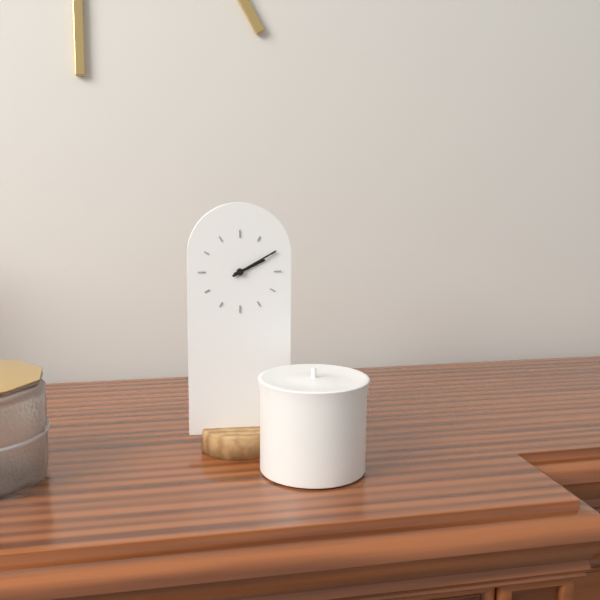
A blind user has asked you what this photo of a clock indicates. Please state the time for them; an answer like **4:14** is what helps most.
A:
**2:10**
